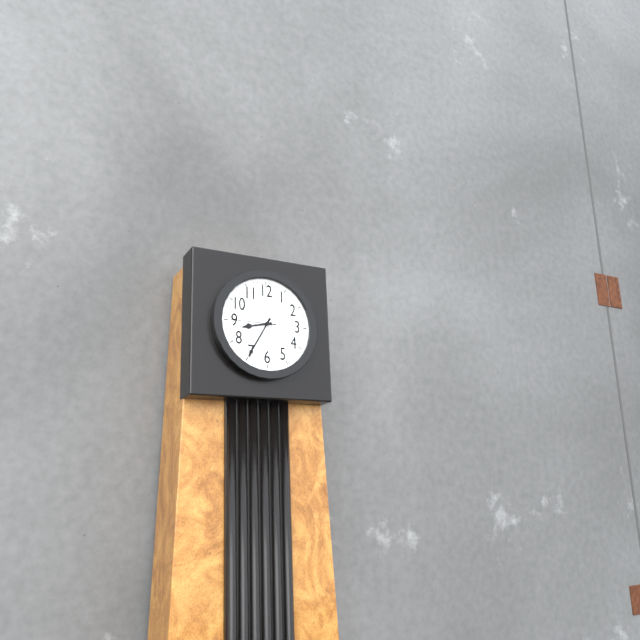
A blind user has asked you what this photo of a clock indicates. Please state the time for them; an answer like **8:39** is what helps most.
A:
**8:35**
